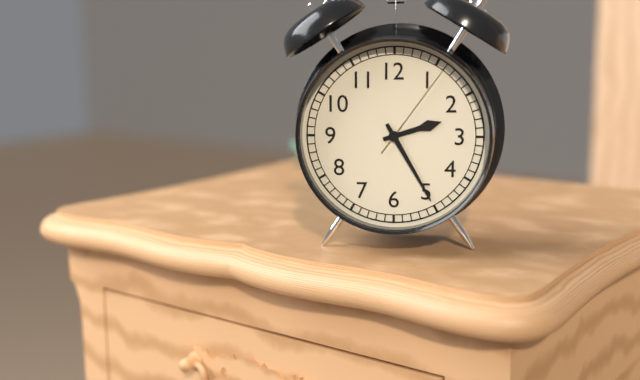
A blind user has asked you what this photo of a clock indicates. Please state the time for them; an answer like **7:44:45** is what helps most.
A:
**2:25:06**
